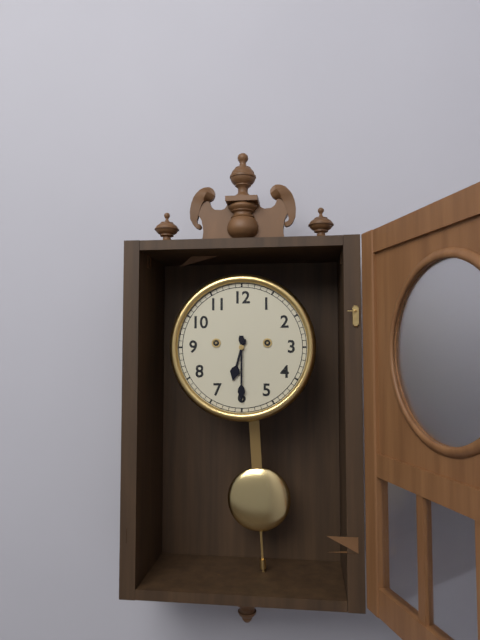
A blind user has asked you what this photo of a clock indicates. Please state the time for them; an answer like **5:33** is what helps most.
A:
**6:30**
